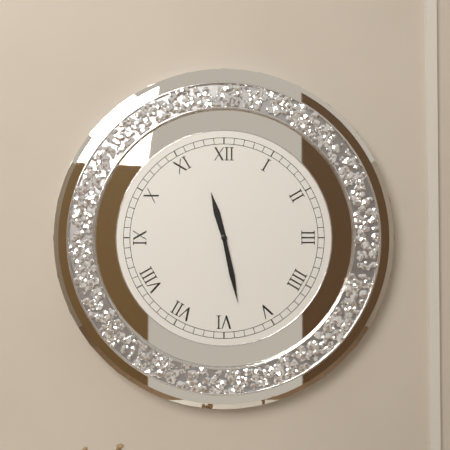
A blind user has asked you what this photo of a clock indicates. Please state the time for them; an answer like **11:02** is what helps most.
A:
**11:28**
